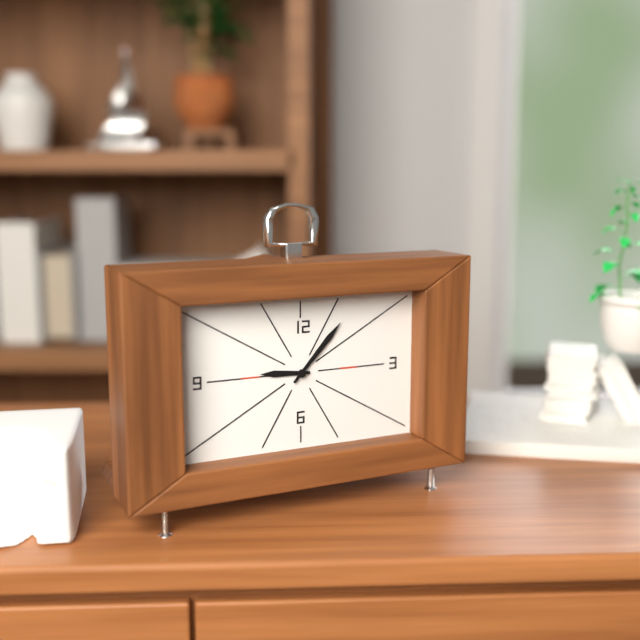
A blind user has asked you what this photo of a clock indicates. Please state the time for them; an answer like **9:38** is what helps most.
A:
**9:07**
